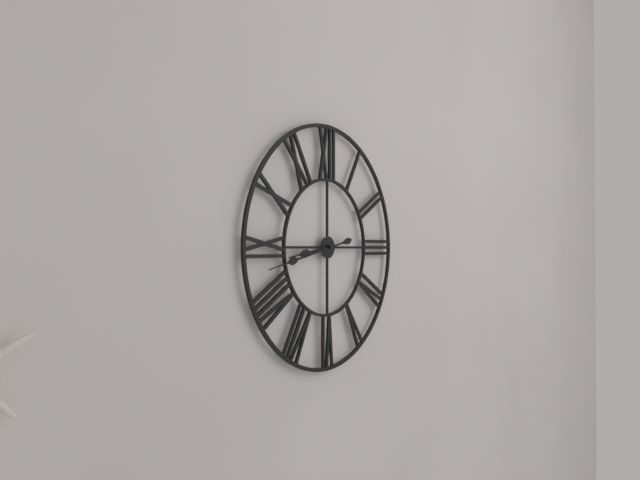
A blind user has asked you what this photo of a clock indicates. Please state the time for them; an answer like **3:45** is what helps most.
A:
**8:43**
